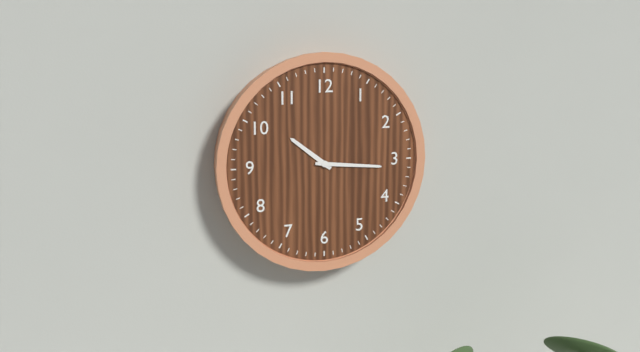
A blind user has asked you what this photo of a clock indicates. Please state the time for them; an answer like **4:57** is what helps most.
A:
**10:16**
